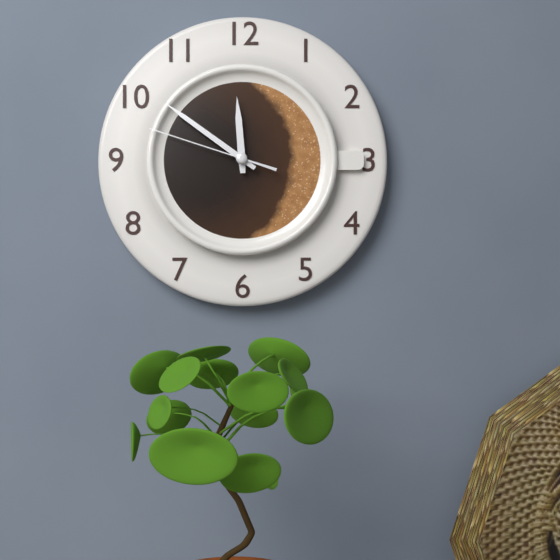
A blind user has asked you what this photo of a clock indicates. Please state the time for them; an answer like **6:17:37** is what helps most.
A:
**11:51:48**
